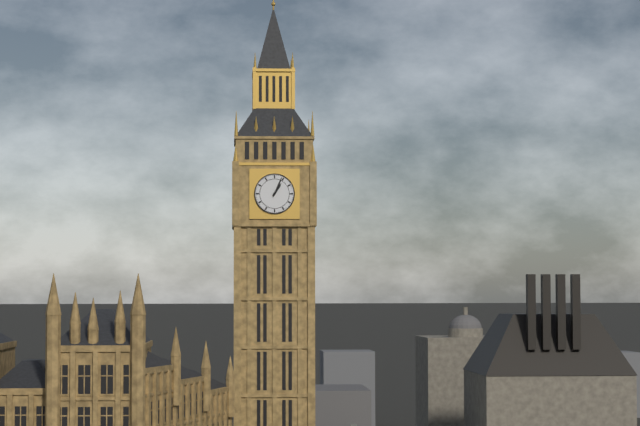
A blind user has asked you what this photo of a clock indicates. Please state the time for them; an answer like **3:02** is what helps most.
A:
**1:04**
